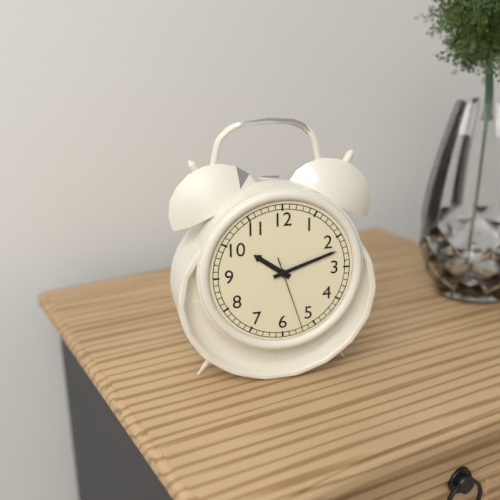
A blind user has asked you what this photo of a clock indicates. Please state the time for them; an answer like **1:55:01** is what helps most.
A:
**10:12:27**
